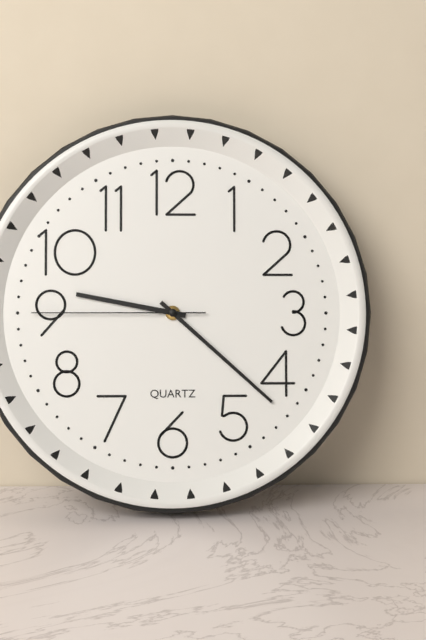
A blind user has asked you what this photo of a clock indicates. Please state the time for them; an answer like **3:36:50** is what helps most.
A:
**9:22:45**
